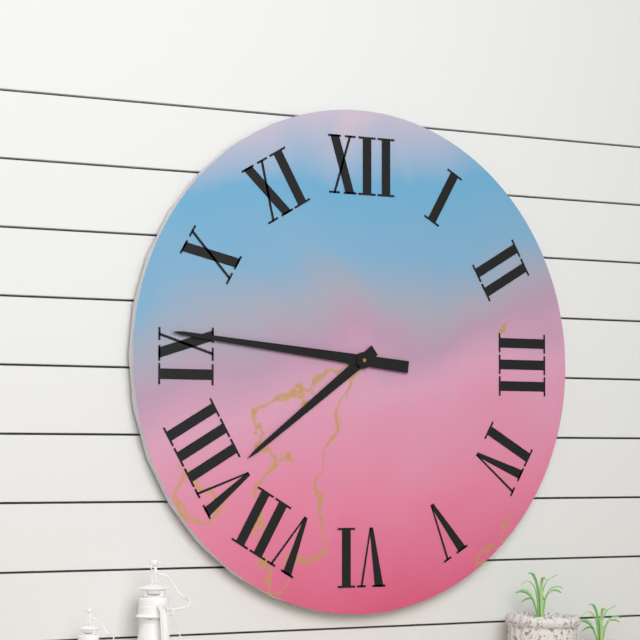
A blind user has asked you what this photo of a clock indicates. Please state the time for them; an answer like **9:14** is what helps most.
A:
**7:46**
